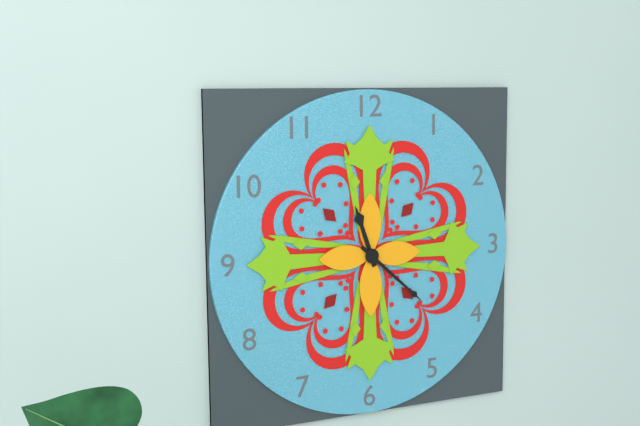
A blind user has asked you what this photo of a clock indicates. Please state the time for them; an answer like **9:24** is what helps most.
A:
**11:22**
